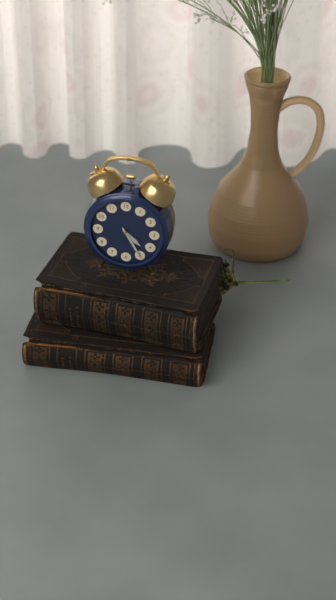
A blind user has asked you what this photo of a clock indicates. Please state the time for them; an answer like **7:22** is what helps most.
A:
**4:25**
